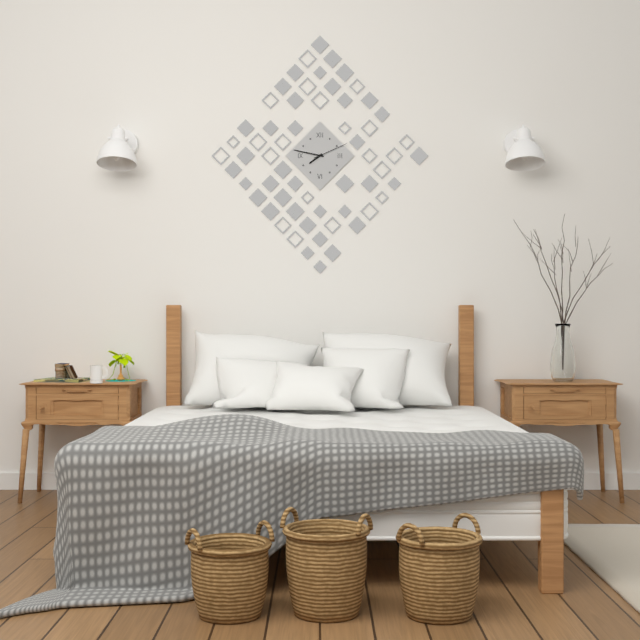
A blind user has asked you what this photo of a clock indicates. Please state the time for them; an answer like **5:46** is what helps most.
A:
**7:47**
